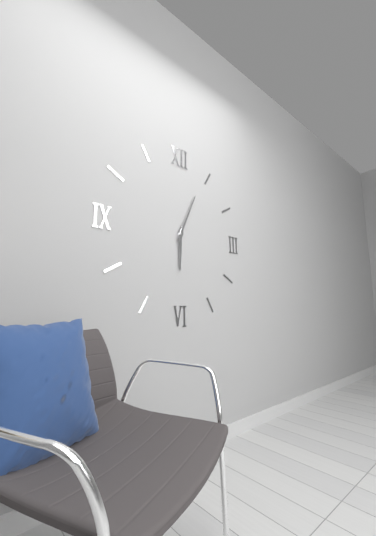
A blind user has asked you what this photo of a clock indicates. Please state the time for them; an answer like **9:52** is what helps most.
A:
**6:04**
